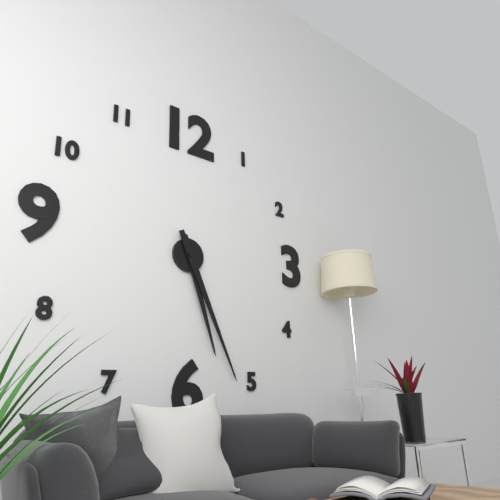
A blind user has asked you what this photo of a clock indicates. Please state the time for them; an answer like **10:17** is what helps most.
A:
**5:26**
